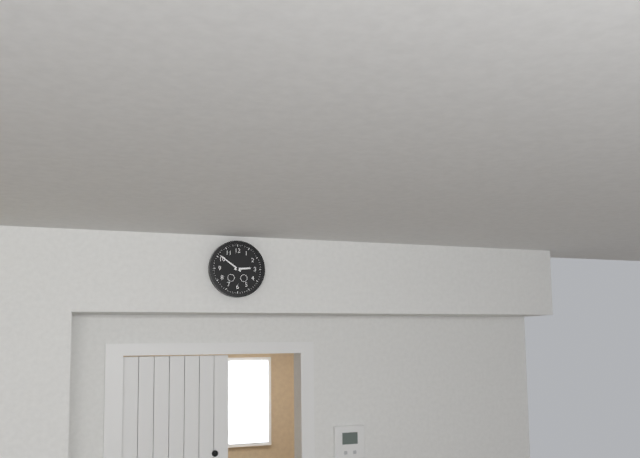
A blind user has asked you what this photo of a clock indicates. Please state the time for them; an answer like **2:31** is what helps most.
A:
**2:51**
